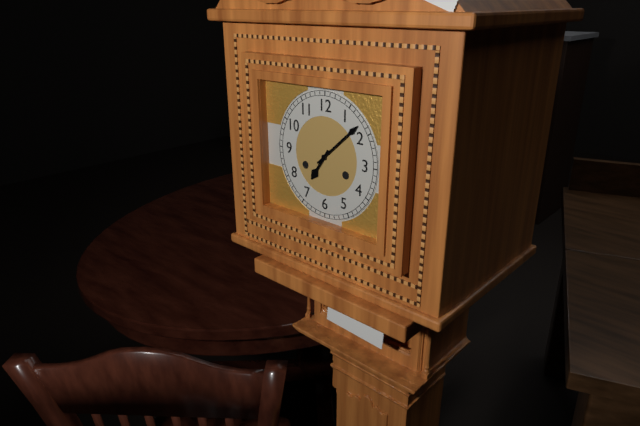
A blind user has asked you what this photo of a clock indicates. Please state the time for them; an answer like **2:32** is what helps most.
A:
**7:08**
